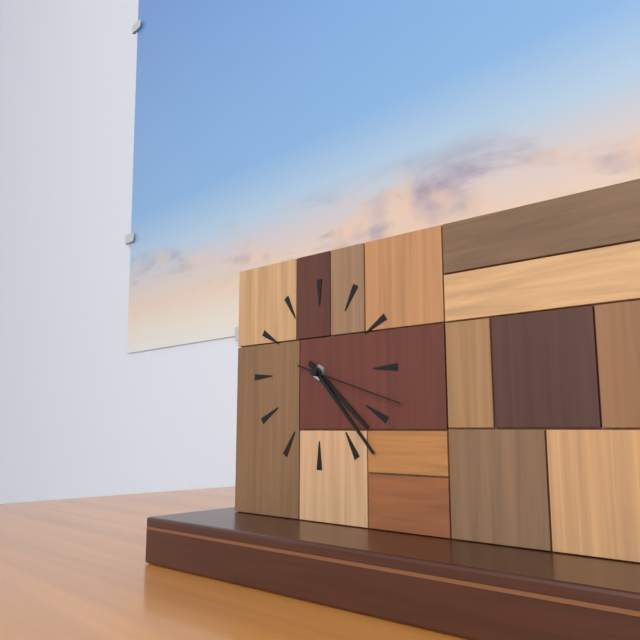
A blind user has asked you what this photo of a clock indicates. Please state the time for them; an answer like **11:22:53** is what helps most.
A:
**4:23:18**
